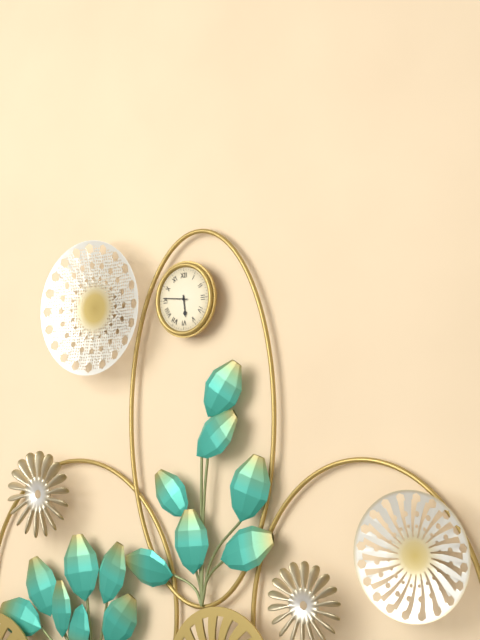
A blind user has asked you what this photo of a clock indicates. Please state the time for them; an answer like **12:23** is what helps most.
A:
**5:46**
